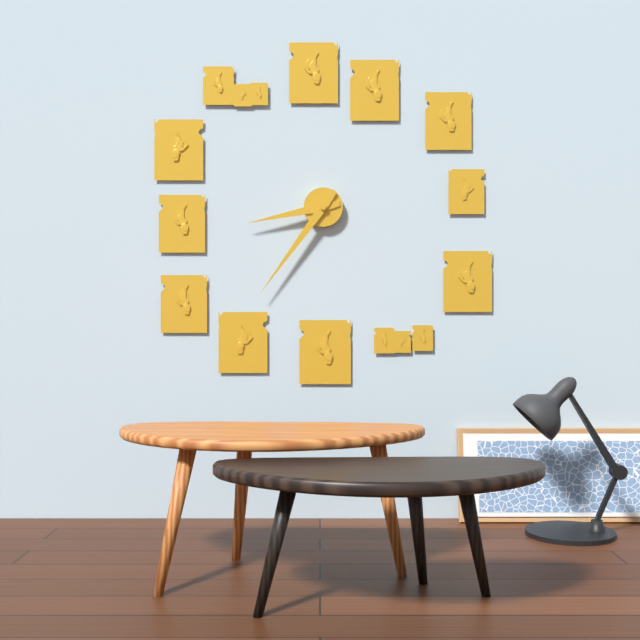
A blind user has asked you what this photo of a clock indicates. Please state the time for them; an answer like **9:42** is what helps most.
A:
**8:36**
